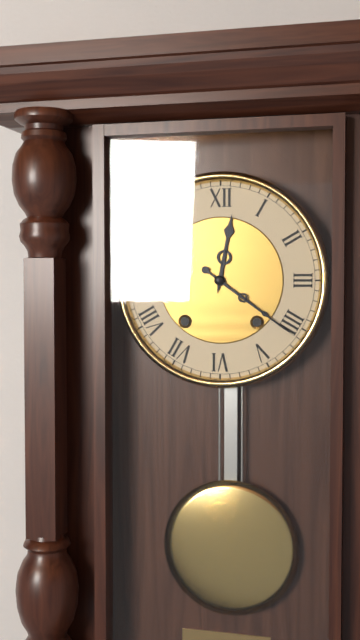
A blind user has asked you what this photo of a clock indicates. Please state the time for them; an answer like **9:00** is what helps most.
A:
**12:21**
